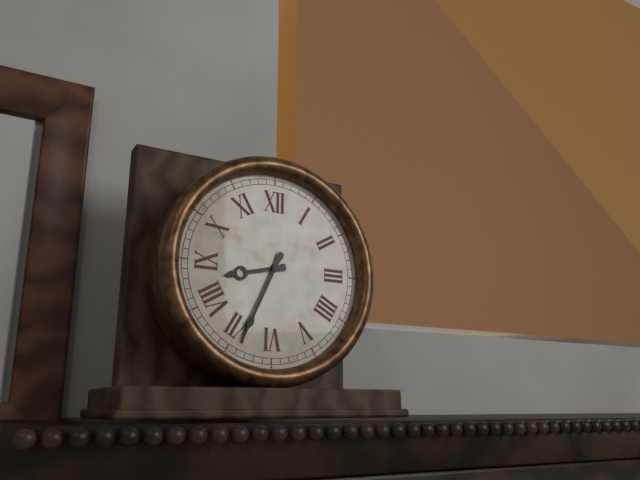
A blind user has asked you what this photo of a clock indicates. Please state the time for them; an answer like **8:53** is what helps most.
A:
**8:34**
